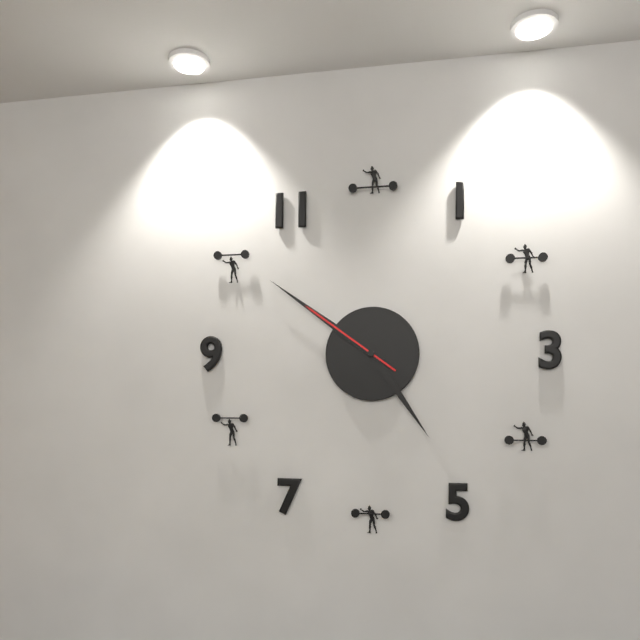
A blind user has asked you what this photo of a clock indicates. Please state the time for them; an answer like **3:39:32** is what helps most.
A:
**4:51:51**
